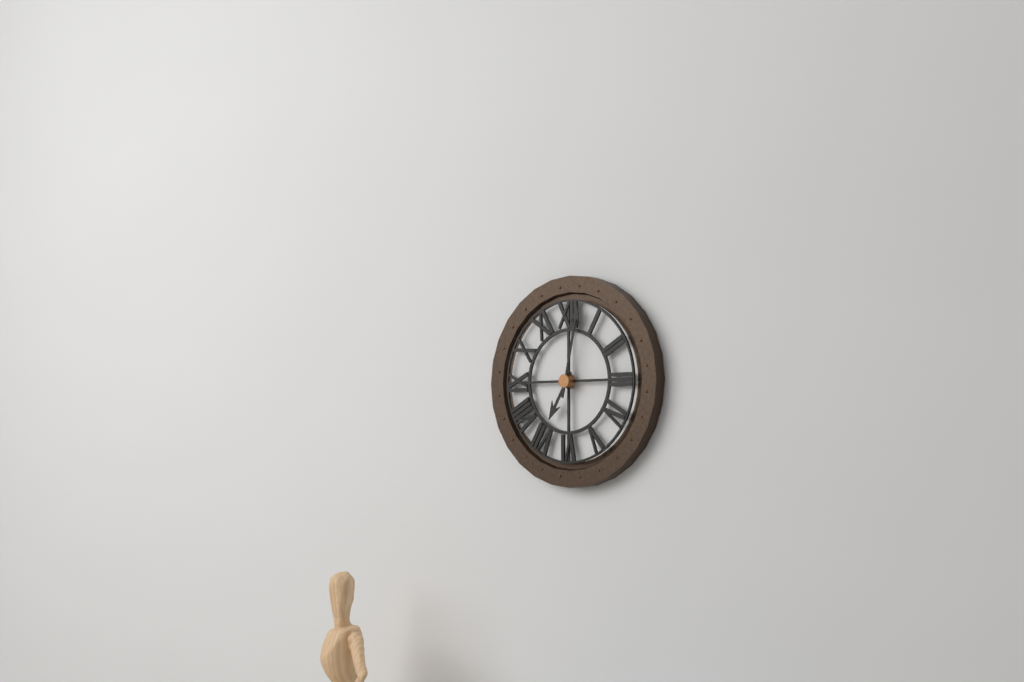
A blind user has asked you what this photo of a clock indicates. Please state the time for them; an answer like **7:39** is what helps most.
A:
**7:02**
